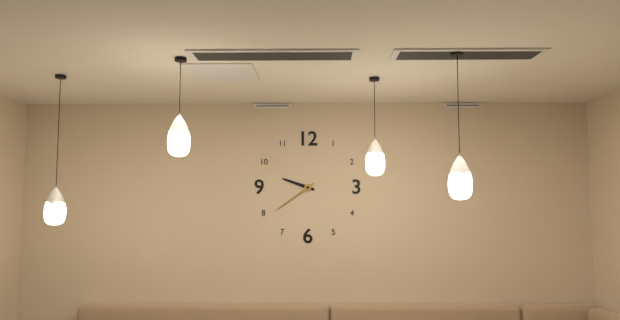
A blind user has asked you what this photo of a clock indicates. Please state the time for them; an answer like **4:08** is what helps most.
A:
**9:39**
